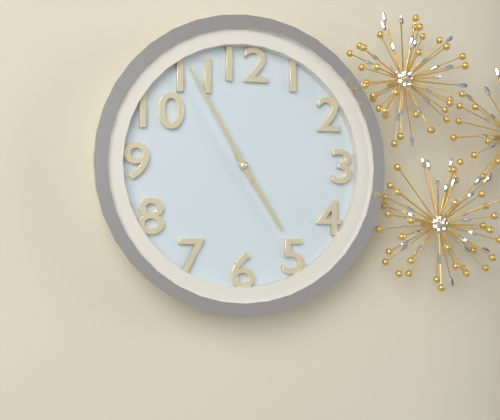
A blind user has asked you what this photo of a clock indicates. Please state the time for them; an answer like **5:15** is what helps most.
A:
**4:55**
